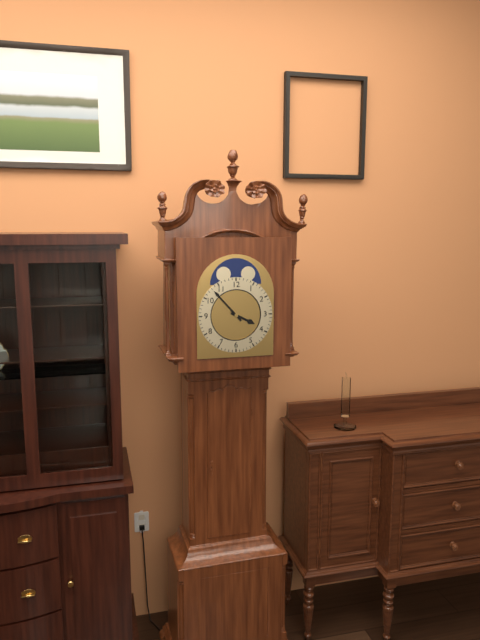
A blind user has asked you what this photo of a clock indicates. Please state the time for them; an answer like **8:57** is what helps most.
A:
**3:53**
